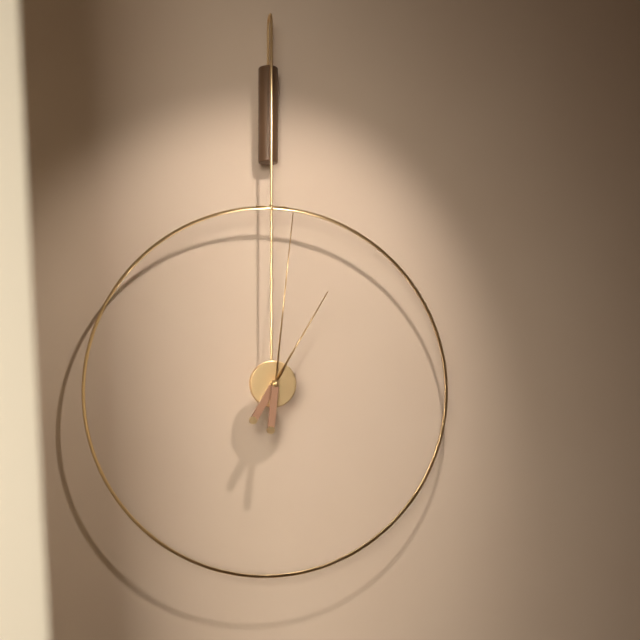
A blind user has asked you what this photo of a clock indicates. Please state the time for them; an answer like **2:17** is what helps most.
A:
**1:01**
